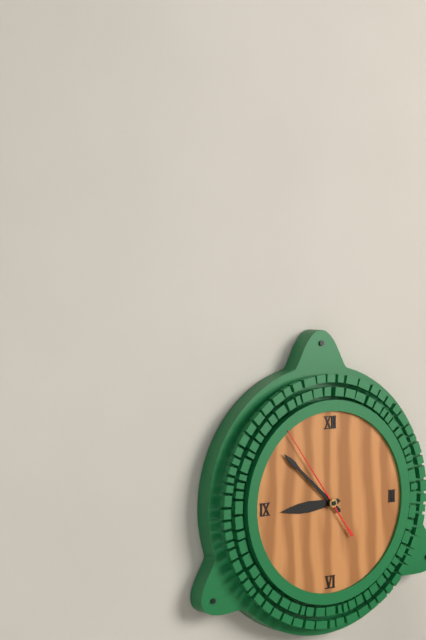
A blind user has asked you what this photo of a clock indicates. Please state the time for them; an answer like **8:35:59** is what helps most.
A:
**8:52:54**
